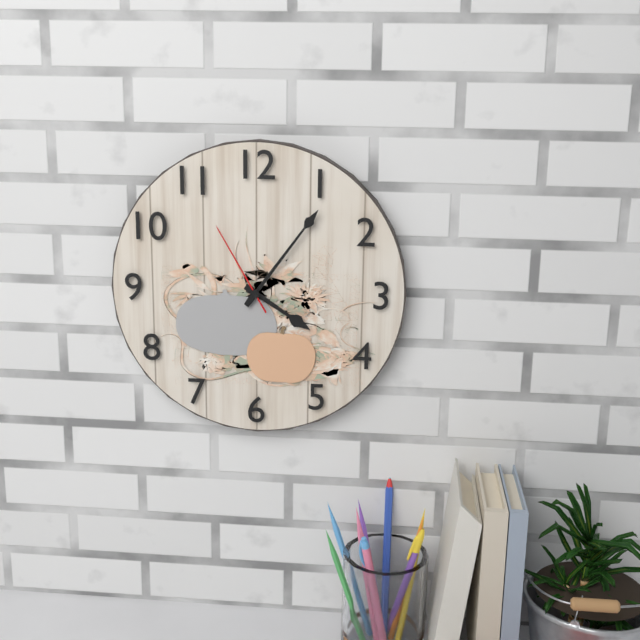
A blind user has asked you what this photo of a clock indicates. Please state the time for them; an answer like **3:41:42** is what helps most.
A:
**4:06:55**
